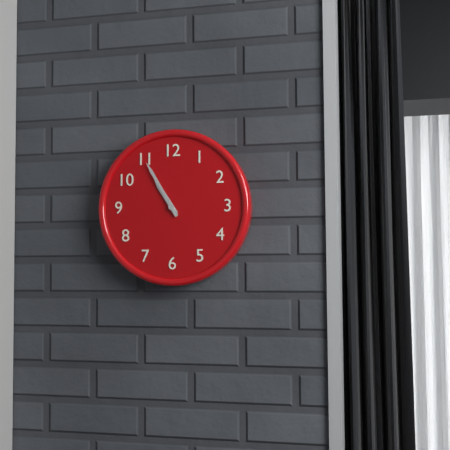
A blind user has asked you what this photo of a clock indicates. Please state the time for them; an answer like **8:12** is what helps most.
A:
**10:55**
